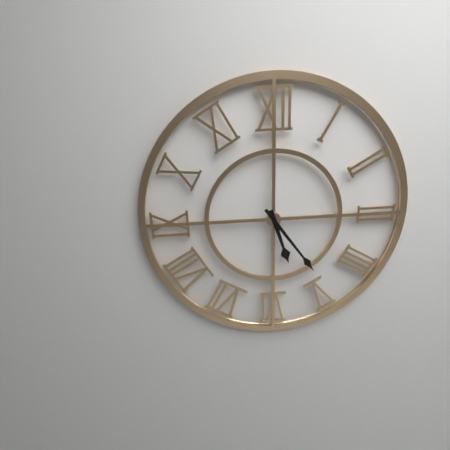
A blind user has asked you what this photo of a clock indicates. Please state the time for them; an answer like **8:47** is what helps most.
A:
**5:24**
